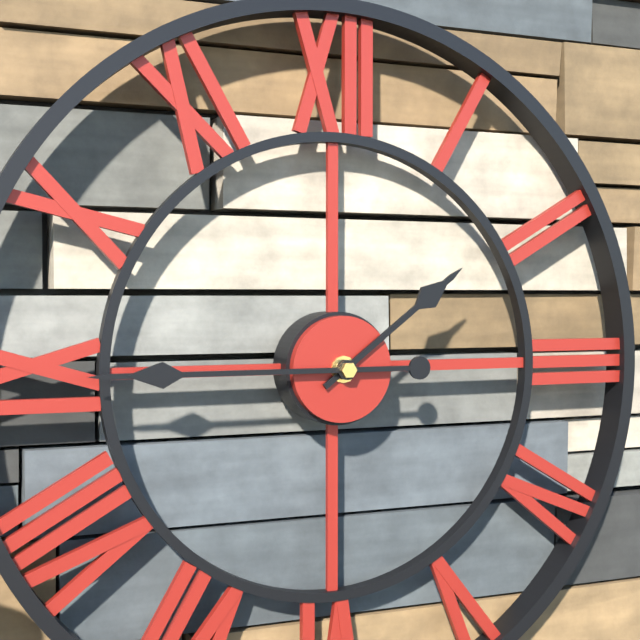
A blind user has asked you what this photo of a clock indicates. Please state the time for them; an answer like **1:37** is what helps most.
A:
**1:45**
